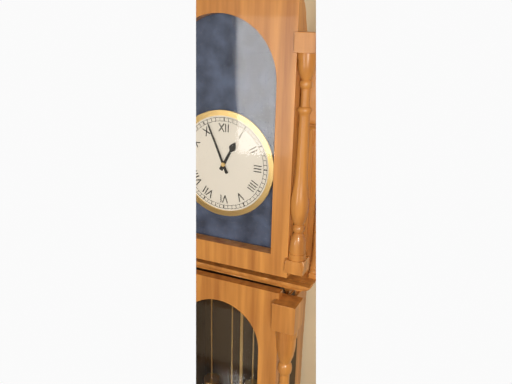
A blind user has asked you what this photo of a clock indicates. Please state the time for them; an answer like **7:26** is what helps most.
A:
**12:56**
